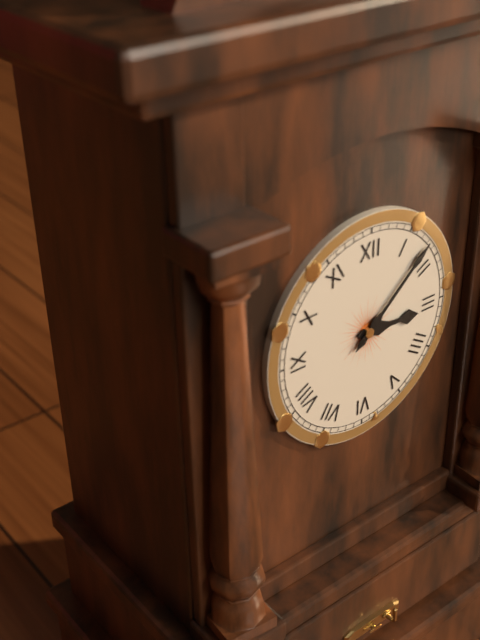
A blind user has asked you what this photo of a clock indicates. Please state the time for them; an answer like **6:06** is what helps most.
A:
**3:08**
